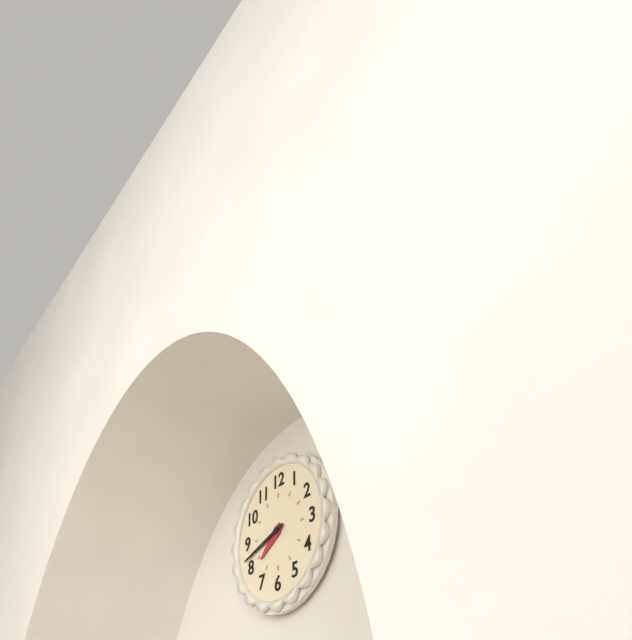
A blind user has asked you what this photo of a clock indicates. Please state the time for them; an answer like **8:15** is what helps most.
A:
**7:42**
